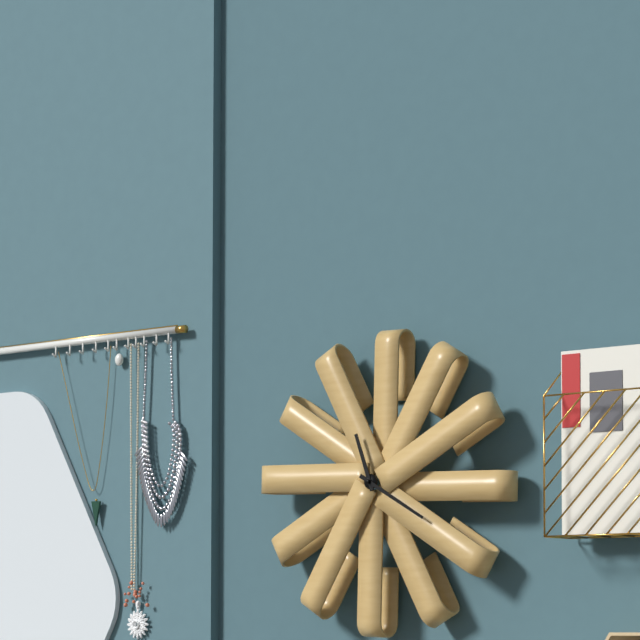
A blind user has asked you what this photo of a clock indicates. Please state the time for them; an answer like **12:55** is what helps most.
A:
**11:20**
